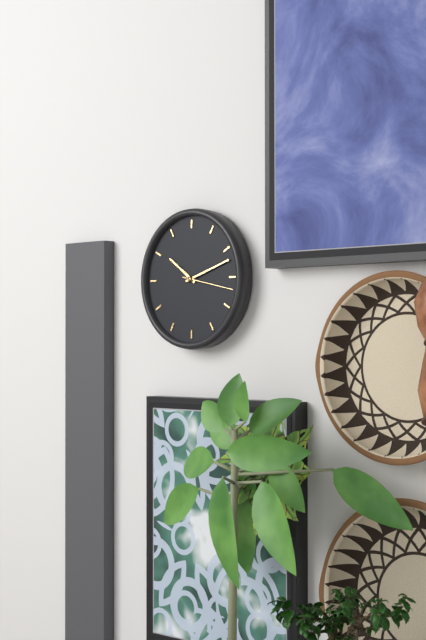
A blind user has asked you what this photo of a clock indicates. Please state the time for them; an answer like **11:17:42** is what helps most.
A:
**10:12:17**
